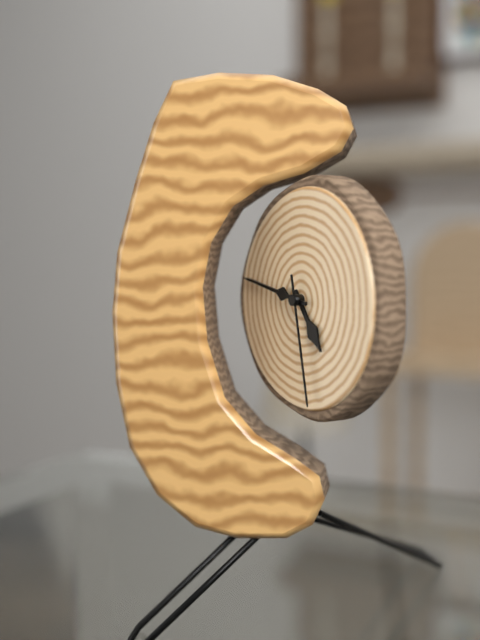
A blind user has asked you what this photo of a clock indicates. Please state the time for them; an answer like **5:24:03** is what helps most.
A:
**4:47:28**
